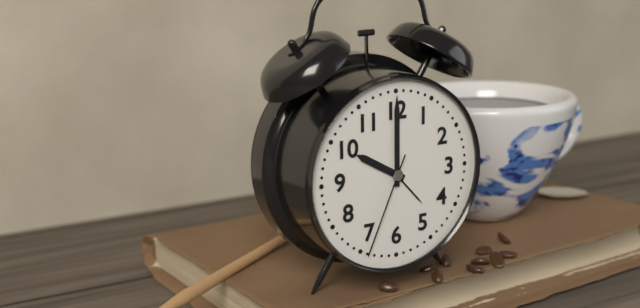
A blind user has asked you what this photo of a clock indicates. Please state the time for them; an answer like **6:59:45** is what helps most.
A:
**10:00:34**
